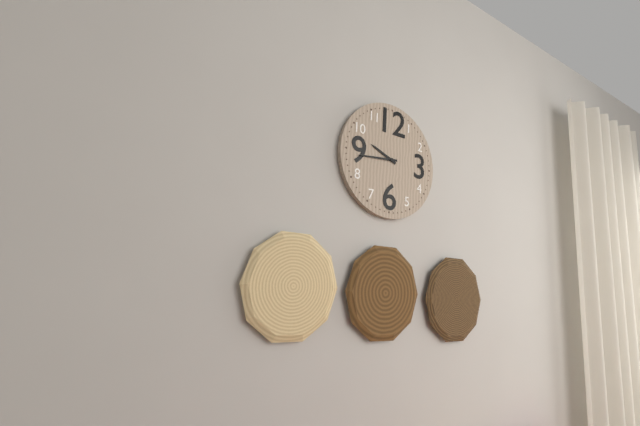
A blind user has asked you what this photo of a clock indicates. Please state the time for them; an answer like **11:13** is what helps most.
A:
**9:44**
